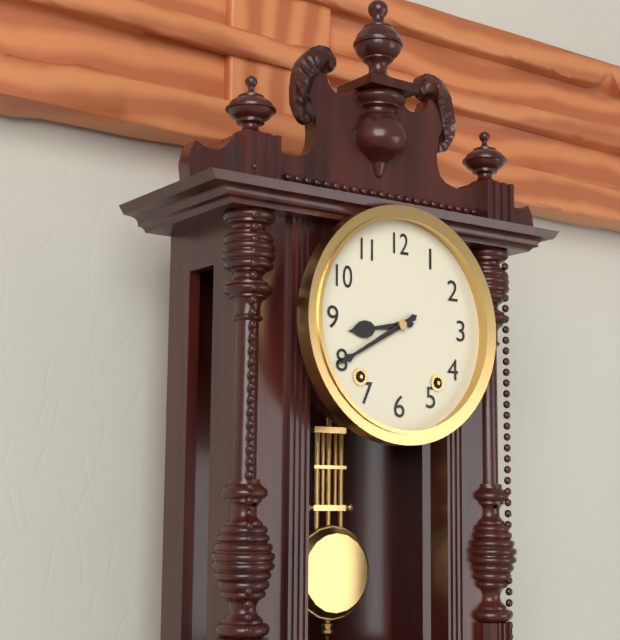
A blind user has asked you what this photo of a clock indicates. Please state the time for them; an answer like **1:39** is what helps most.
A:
**8:40**
